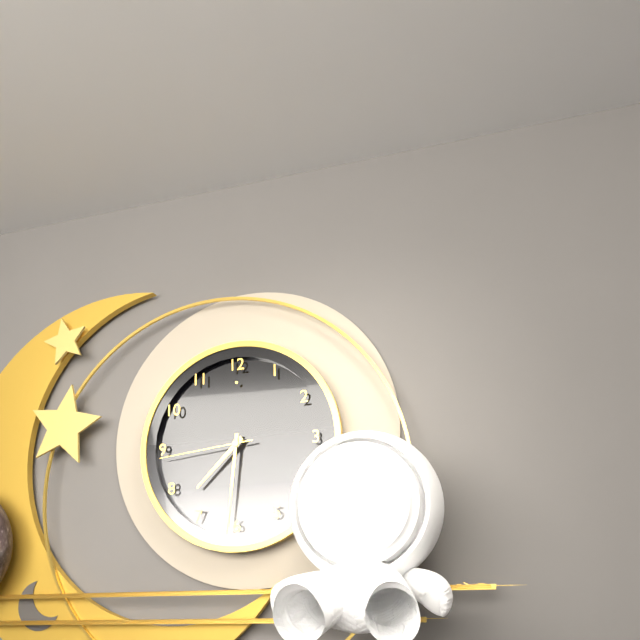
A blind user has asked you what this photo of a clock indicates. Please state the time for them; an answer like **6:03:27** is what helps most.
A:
**7:31:44**
